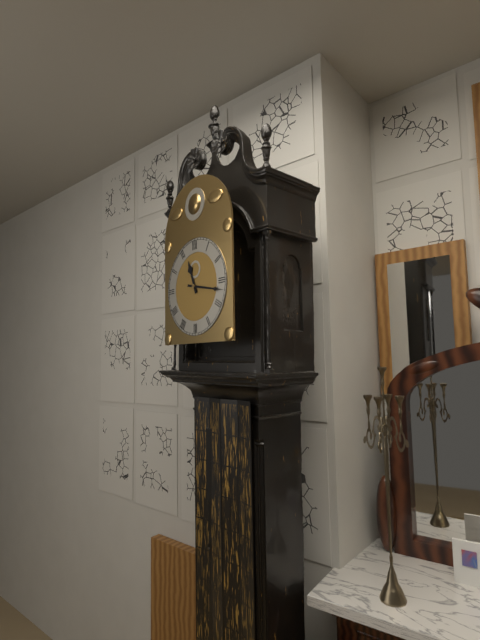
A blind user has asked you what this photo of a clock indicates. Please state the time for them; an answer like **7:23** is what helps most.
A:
**11:17**
